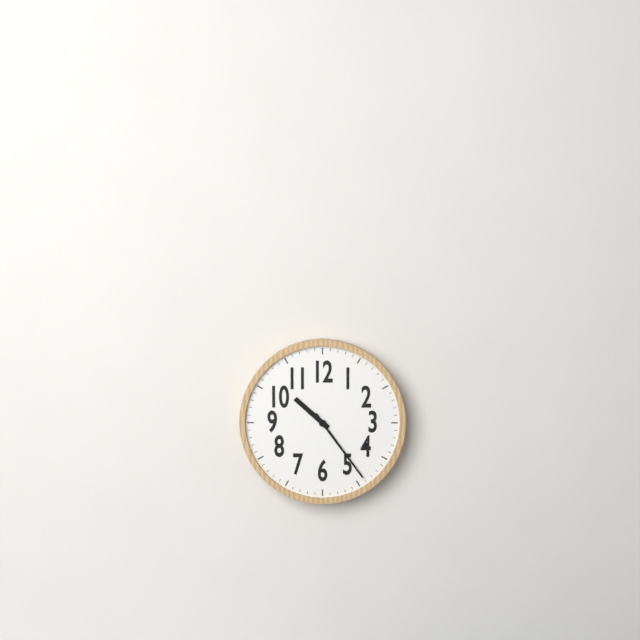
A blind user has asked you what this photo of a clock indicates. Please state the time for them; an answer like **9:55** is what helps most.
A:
**10:24**
